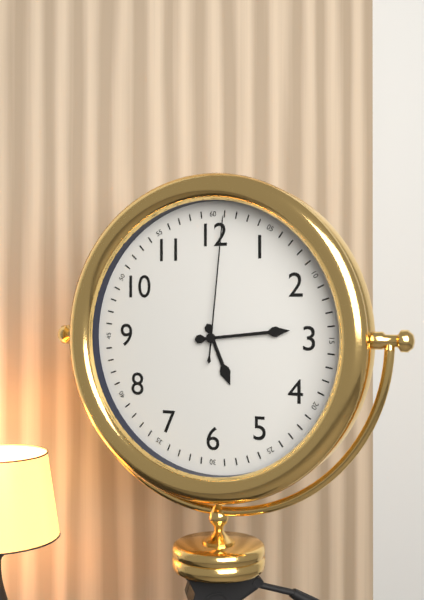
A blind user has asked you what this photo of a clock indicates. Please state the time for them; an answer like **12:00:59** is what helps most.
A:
**5:14:01**
